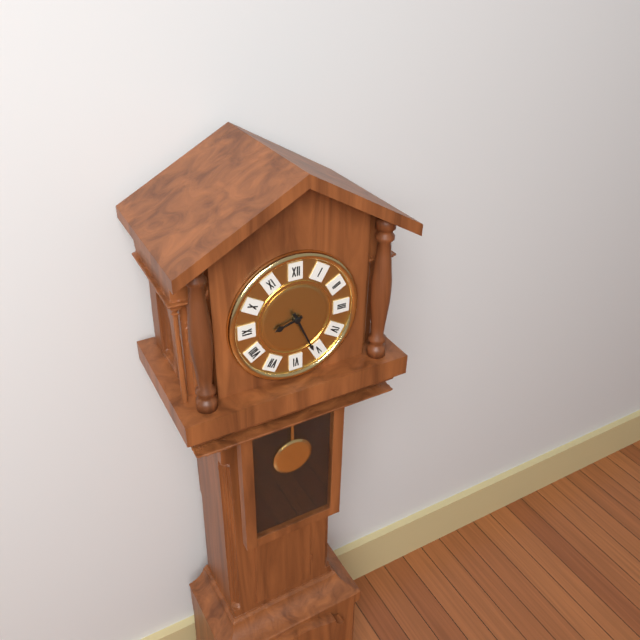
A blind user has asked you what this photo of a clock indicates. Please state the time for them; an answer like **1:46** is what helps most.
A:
**8:26**
